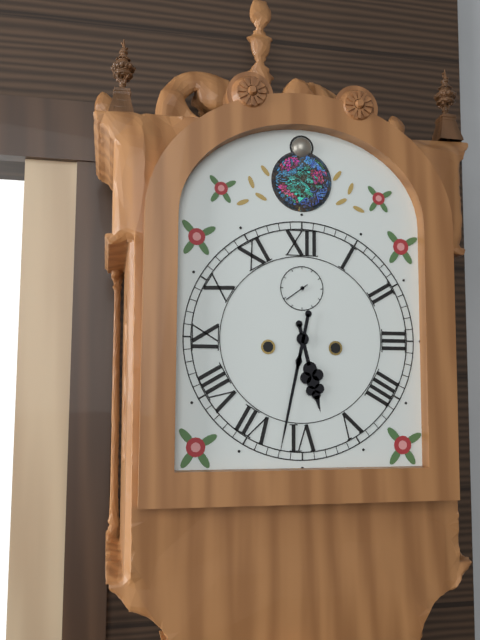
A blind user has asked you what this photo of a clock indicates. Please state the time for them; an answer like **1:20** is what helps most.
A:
**5:32**
